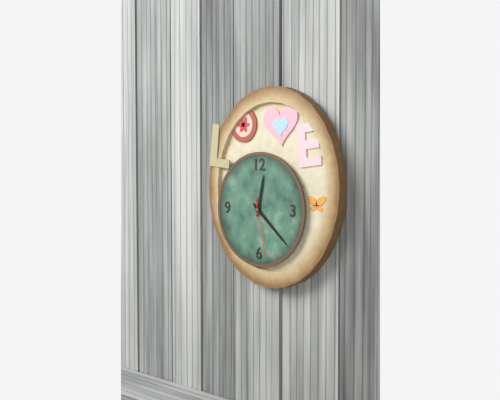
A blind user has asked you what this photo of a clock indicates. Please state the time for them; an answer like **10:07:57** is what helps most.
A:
**12:22:28**
